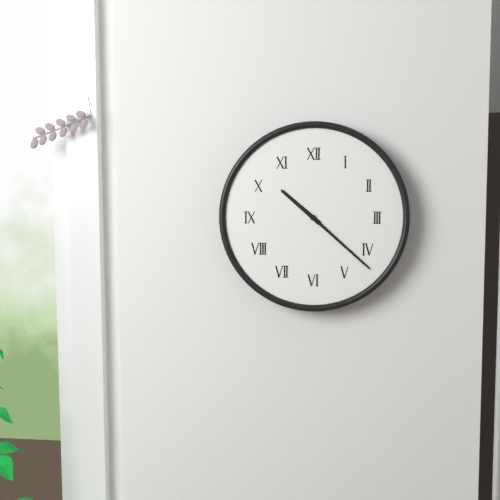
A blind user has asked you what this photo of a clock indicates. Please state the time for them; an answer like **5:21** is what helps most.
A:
**10:22**
